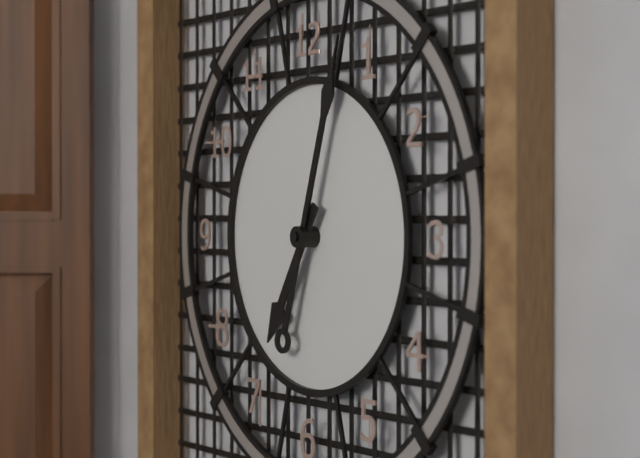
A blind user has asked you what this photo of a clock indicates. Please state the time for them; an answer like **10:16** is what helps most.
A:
**7:03**
